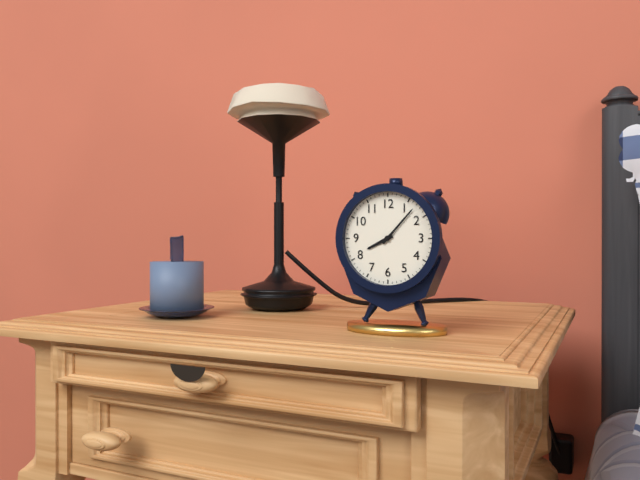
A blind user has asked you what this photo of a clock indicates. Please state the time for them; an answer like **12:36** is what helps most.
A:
**8:07**
